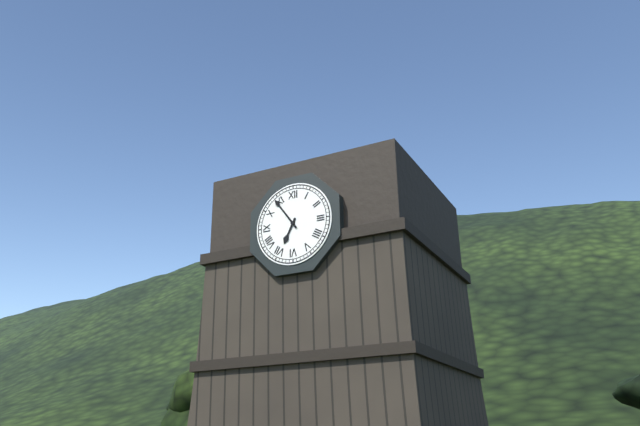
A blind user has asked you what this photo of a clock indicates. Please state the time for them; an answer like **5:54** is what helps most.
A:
**6:54**
